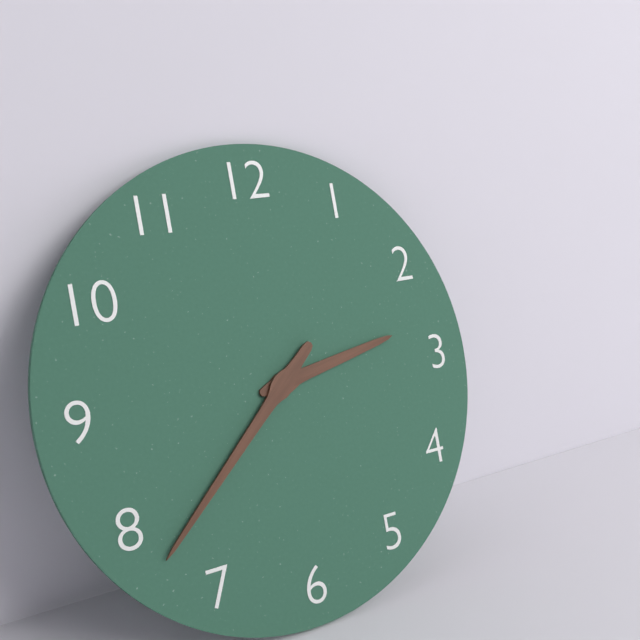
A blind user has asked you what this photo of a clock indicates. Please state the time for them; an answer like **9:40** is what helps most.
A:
**2:38**
